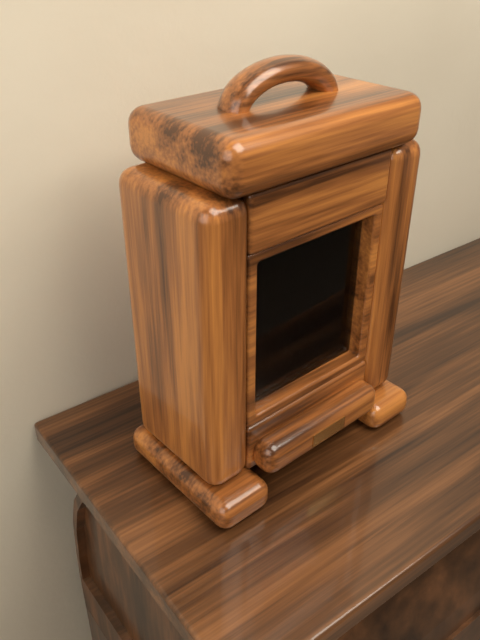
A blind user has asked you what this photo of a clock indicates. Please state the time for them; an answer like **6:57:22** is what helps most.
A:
**4:35:28**
